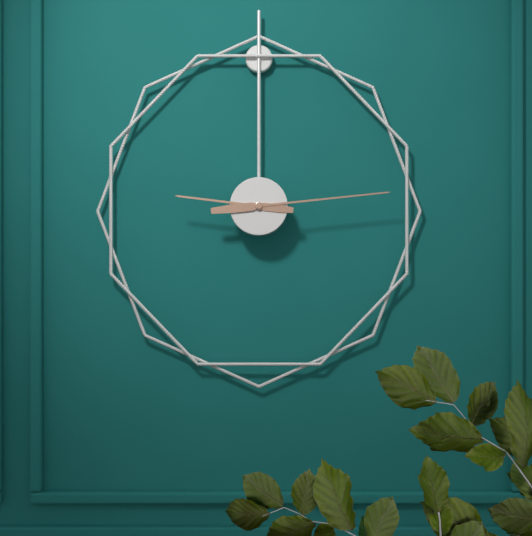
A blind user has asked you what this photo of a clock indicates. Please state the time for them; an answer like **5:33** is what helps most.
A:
**9:14**
